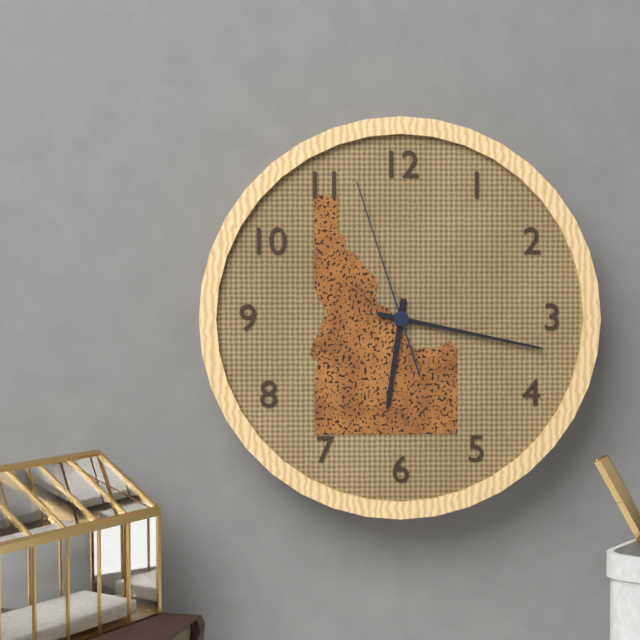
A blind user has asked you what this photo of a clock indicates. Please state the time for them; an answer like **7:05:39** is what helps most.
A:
**6:17:57**
